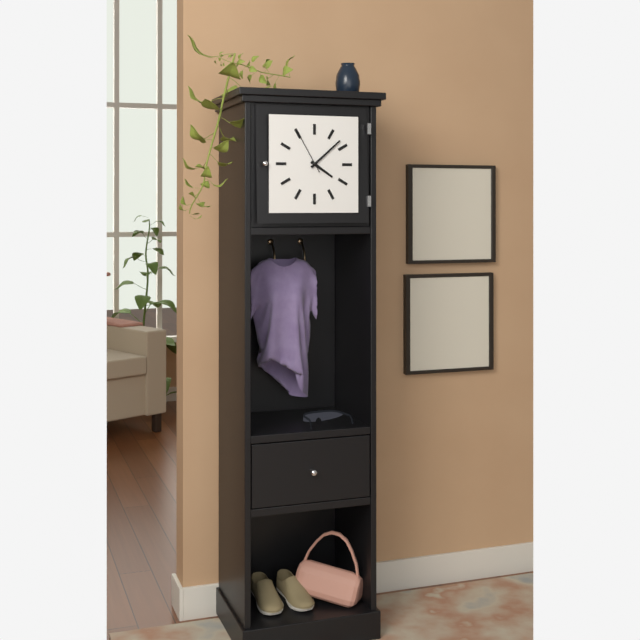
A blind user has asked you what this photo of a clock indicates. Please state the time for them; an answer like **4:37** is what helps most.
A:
**4:08**
